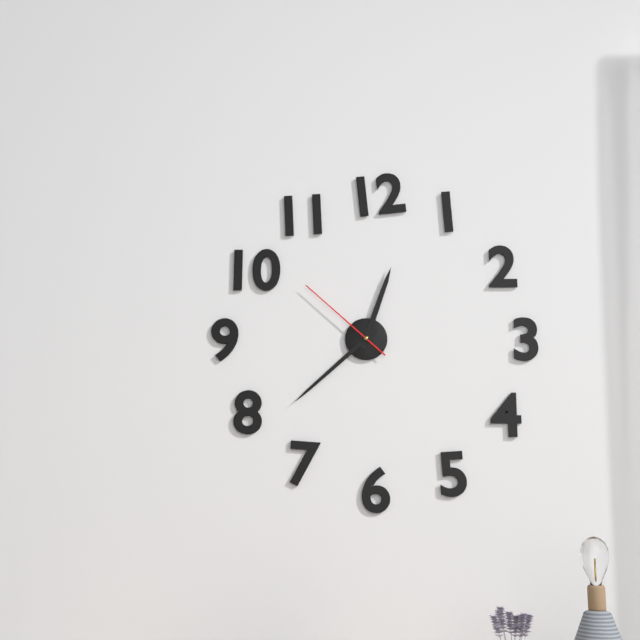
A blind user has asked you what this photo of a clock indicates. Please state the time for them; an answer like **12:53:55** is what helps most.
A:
**12:38:52**
